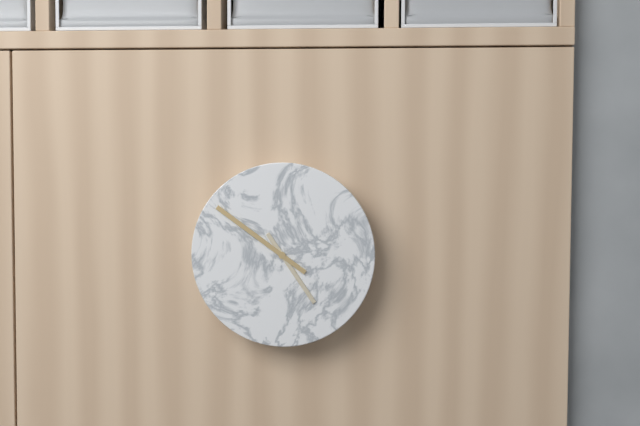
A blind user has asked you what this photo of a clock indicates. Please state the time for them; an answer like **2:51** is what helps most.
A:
**4:51**
